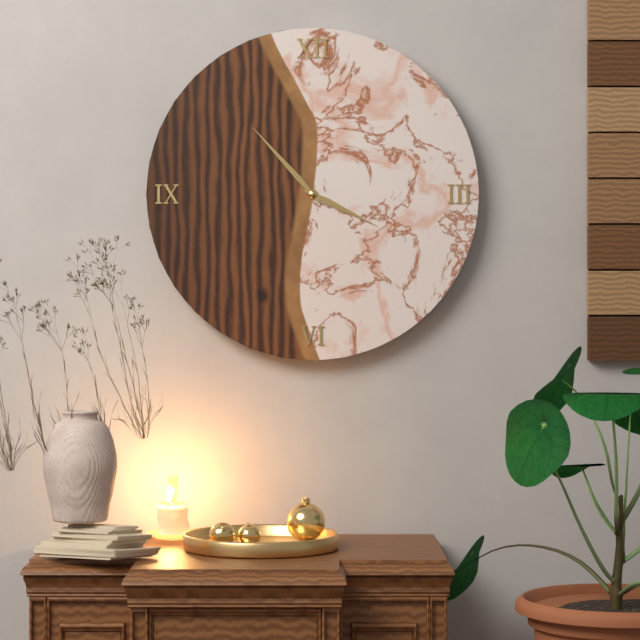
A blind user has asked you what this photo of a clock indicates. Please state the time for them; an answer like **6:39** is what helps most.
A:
**3:53**
